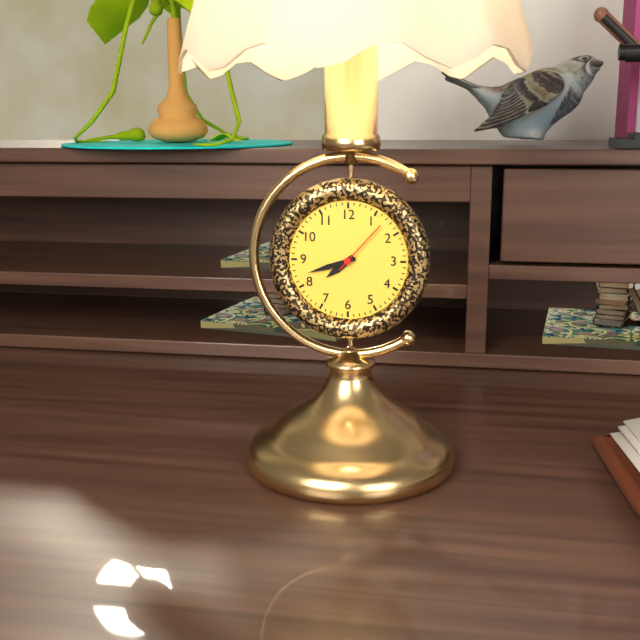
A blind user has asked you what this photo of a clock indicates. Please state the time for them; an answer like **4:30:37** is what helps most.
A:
**7:42:07**
